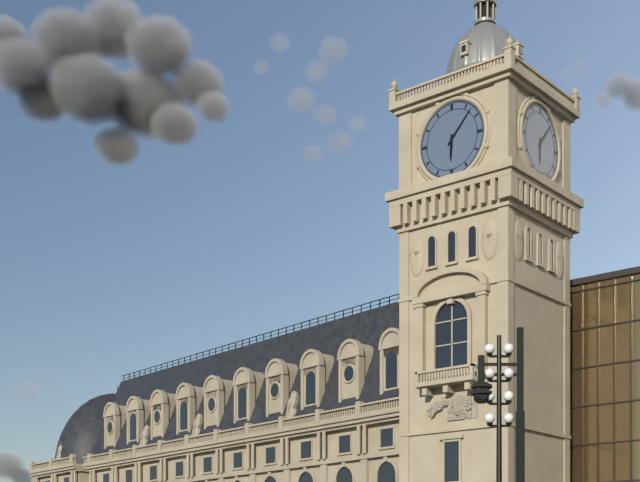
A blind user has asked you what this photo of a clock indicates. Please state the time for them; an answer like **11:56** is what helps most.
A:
**6:07**
